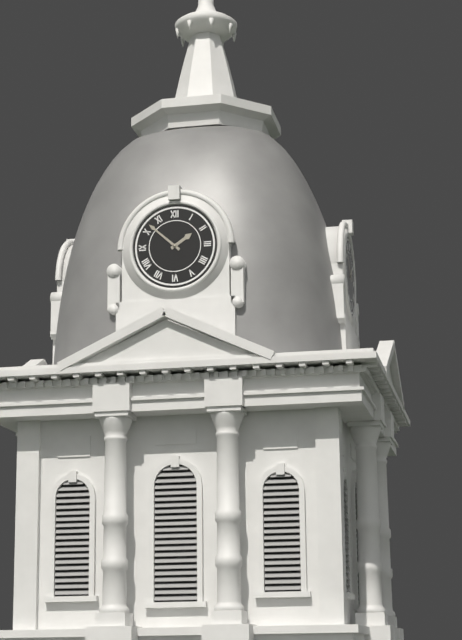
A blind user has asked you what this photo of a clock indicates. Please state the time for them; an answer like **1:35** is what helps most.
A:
**1:52**
